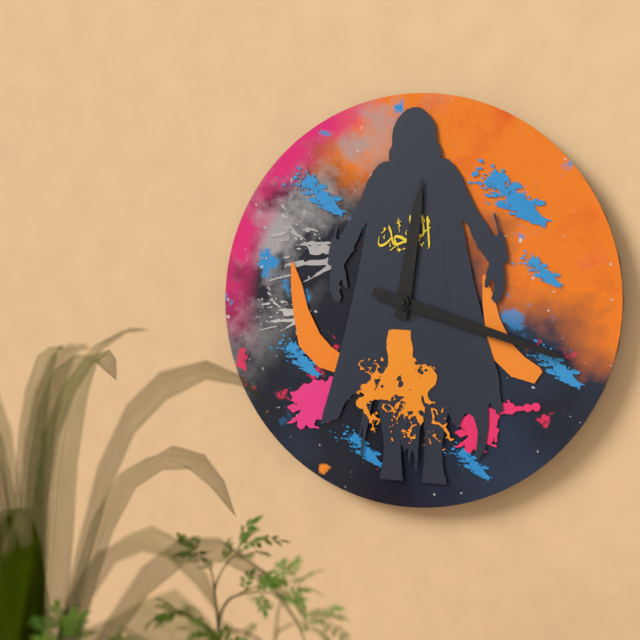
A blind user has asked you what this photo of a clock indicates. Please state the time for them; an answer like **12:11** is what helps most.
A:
**12:18**
